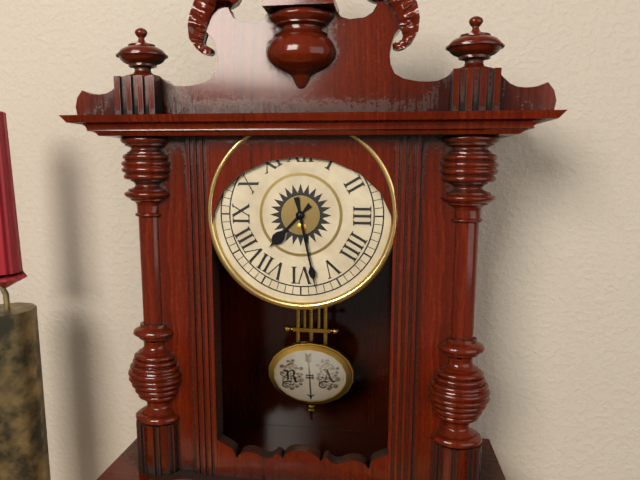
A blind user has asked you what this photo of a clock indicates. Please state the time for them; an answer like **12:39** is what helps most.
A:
**7:28**
